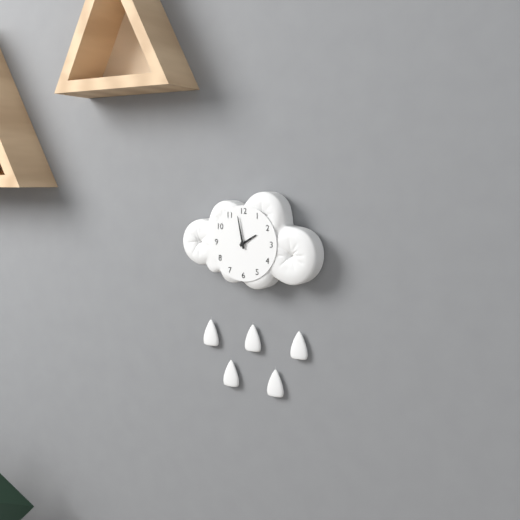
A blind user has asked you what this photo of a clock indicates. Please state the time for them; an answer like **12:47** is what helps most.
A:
**1:58**
